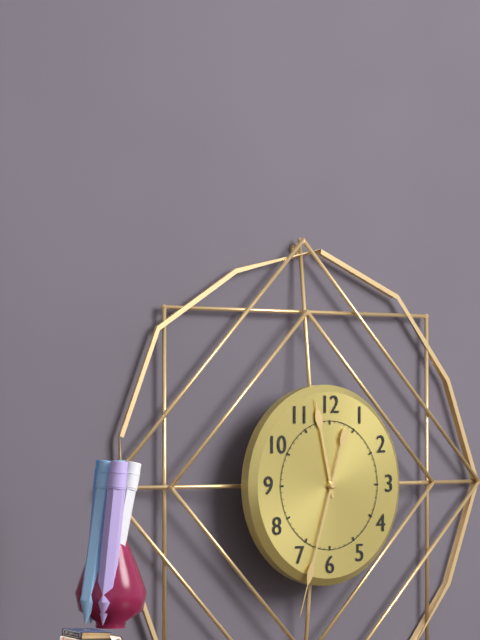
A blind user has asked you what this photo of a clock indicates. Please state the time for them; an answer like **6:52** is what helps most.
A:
**11:33**
